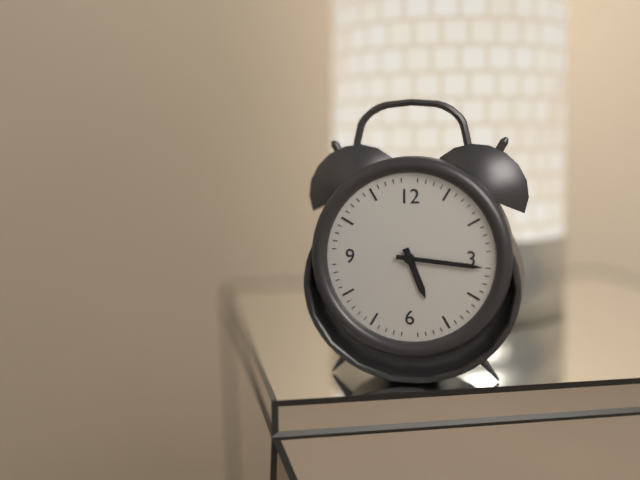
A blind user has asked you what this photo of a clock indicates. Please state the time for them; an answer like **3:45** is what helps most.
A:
**5:16**
